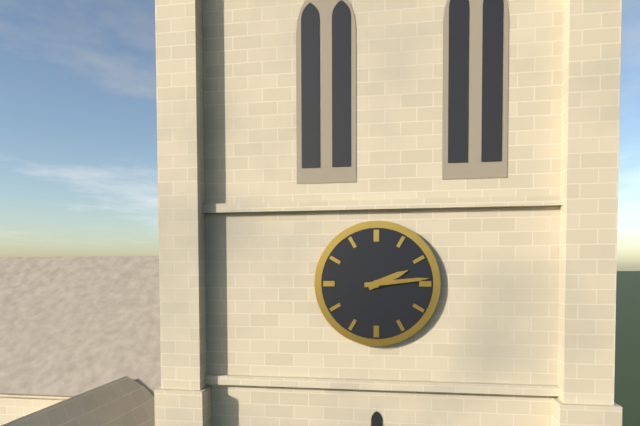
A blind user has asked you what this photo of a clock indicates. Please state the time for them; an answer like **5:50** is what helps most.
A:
**2:14**
